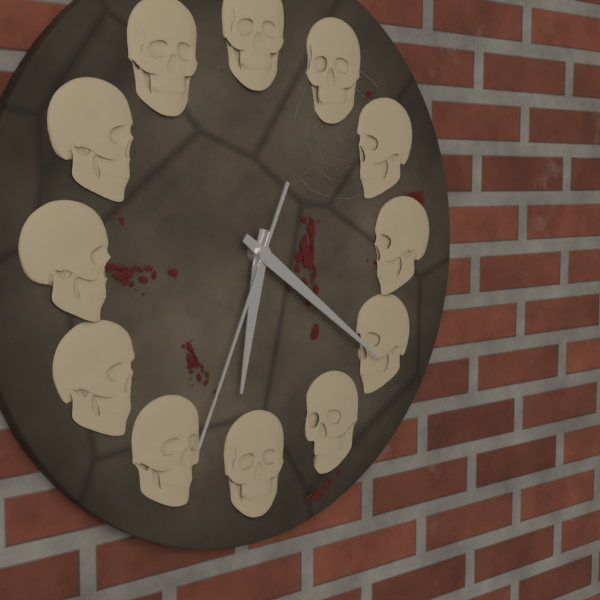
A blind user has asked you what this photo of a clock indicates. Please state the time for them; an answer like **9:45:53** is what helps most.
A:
**6:21:34**
